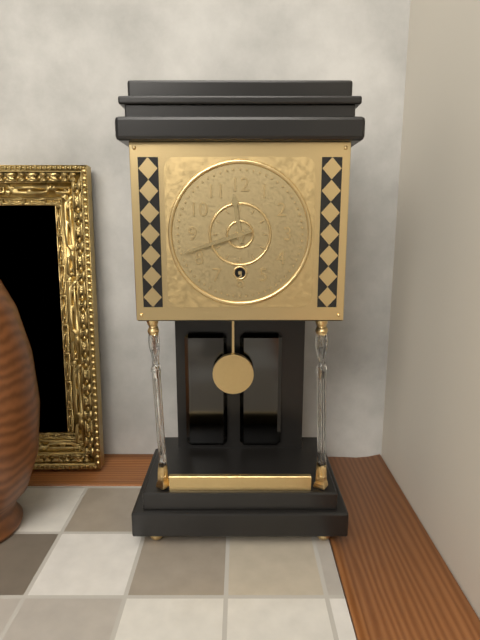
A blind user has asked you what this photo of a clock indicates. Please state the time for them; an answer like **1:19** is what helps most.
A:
**11:42**
